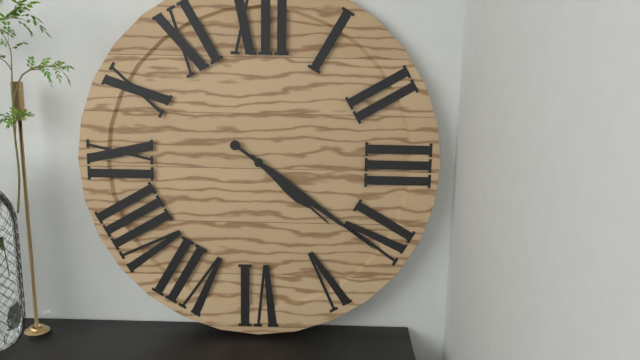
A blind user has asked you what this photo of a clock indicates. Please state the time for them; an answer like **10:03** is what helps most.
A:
**4:21**
